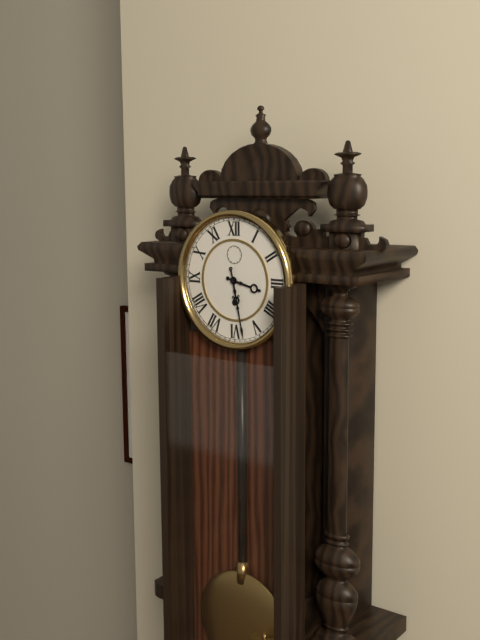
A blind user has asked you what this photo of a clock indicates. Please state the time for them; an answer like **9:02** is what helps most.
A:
**3:28**
